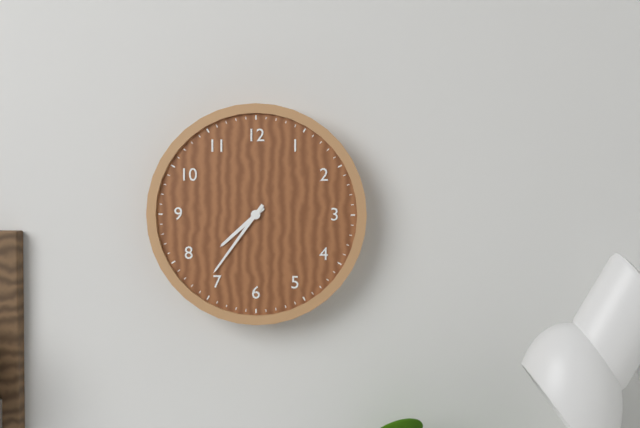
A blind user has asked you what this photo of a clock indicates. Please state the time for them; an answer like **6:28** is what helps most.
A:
**7:36**
